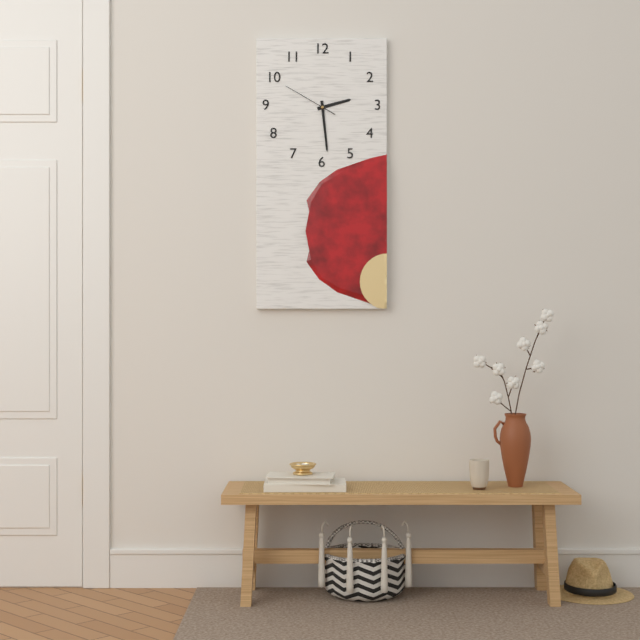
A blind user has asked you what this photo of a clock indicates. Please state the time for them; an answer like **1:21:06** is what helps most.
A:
**2:29:50**
